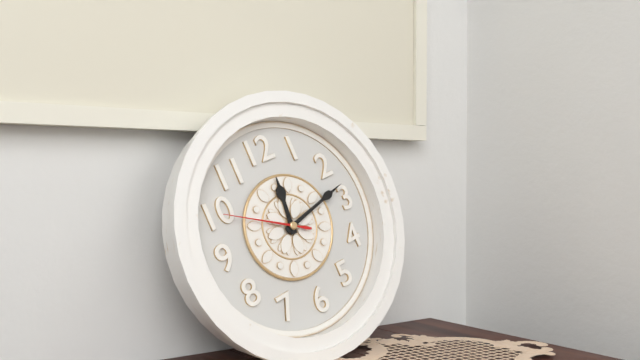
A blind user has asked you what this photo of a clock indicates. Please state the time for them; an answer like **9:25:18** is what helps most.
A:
**12:13:50**
